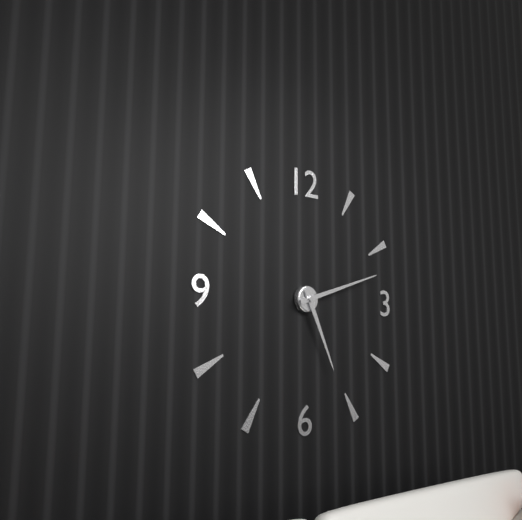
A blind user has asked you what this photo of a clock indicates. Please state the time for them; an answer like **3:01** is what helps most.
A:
**5:12**
